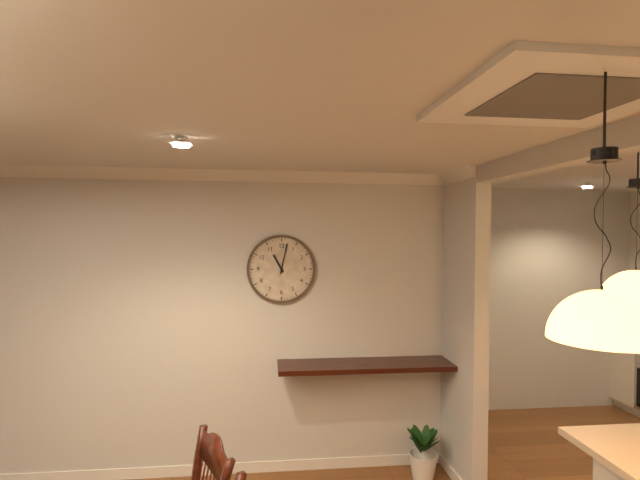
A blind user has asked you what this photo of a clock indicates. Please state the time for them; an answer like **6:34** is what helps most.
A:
**11:02**
